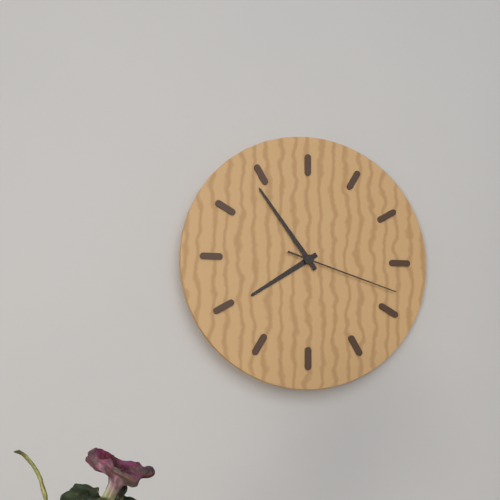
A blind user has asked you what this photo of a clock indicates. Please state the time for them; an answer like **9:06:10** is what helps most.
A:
**7:54:18**
